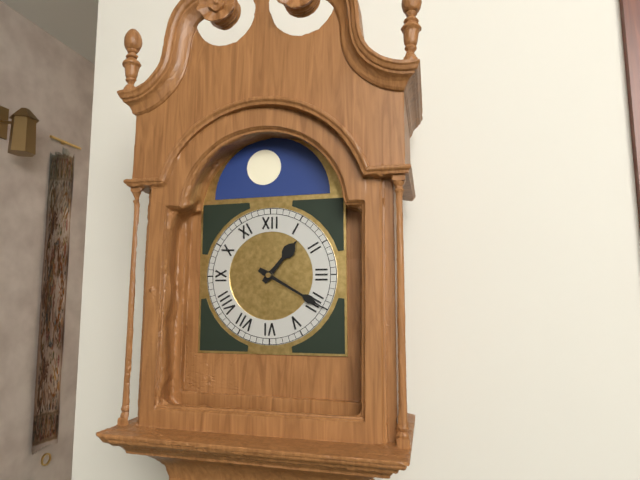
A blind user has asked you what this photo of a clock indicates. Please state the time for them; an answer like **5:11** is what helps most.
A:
**1:20**
